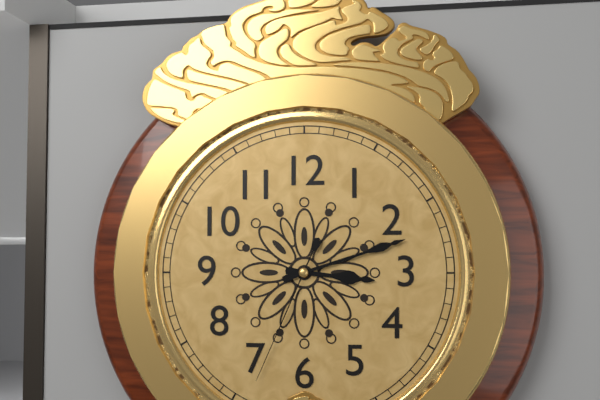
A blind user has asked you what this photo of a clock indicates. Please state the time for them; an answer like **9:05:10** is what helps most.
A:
**3:12:34**
